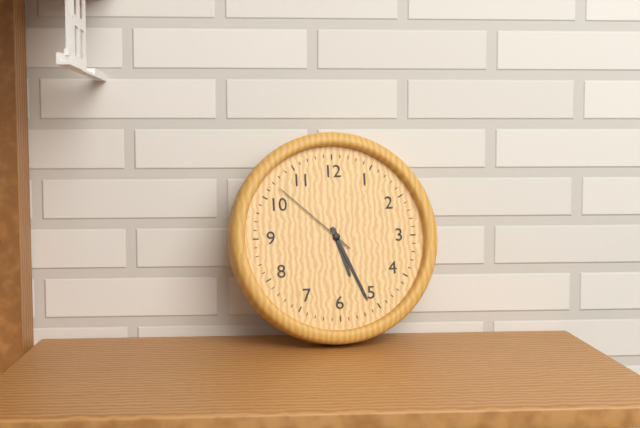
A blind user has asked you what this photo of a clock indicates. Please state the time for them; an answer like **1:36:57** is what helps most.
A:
**5:26:52**
